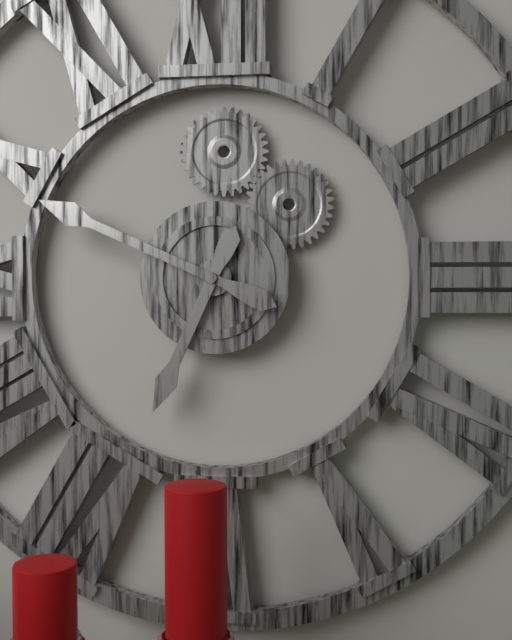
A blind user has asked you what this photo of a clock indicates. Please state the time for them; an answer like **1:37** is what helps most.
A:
**6:49**
